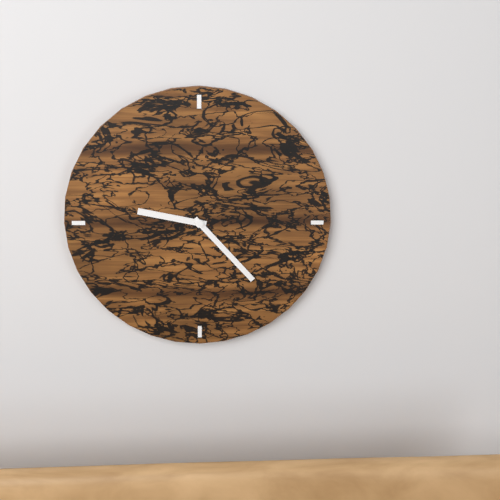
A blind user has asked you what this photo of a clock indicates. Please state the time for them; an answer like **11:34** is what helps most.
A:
**9:23**
